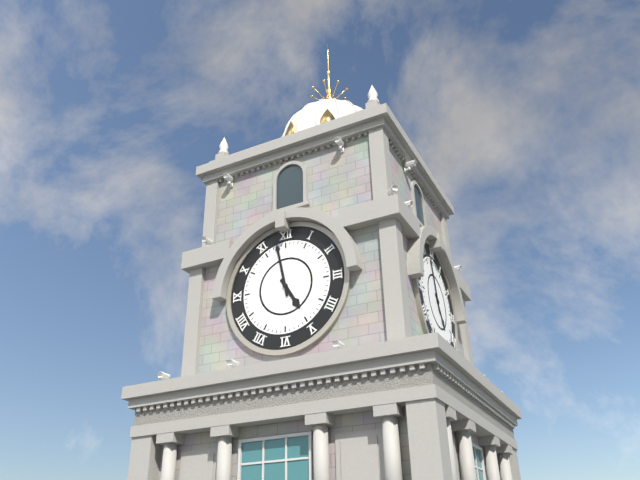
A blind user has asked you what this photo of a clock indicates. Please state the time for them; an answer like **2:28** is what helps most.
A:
**4:58**
